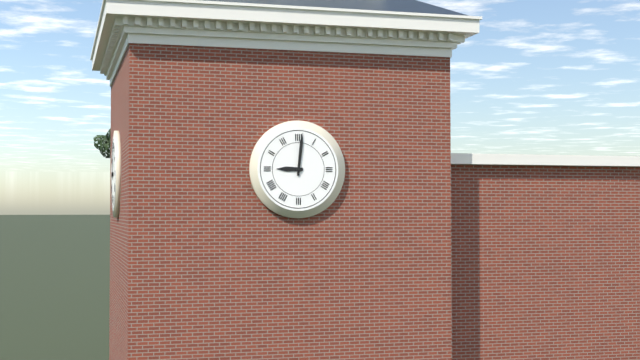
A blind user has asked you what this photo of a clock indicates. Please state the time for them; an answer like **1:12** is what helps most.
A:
**9:01**
